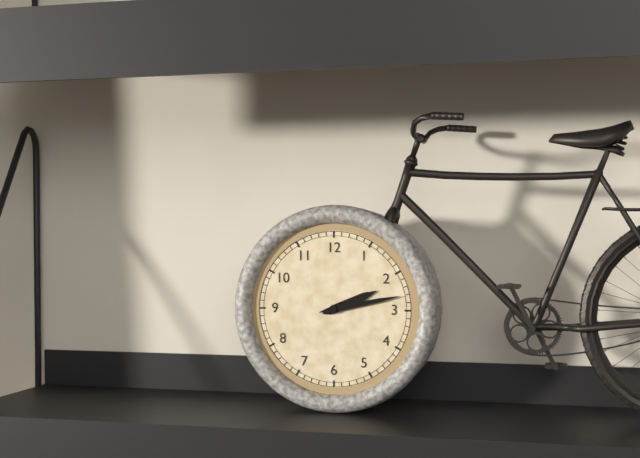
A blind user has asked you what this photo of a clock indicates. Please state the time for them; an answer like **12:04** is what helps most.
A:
**2:13**
